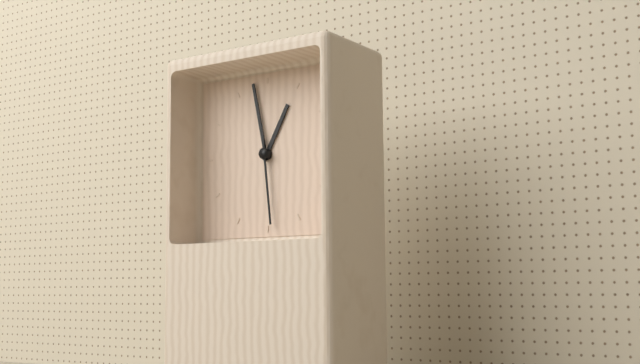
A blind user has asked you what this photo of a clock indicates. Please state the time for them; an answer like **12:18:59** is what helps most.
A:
**12:58:29**
